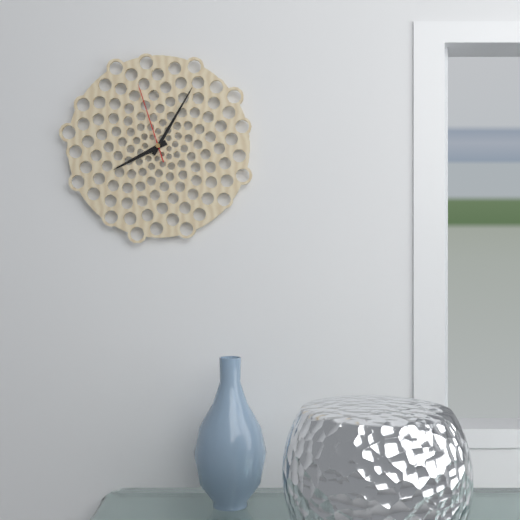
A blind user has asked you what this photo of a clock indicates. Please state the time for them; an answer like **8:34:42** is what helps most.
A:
**8:05:57**
